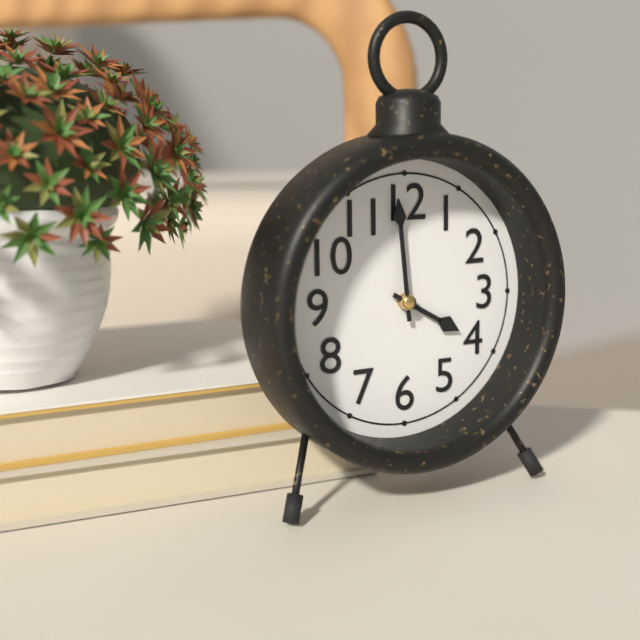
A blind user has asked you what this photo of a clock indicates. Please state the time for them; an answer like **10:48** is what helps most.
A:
**3:59**
